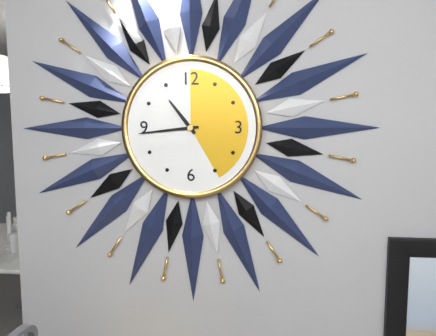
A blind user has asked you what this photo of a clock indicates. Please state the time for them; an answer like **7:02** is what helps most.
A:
**10:44**
